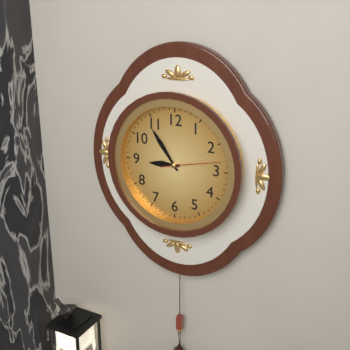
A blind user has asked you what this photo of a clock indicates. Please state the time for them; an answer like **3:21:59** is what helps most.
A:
**8:54:13**
